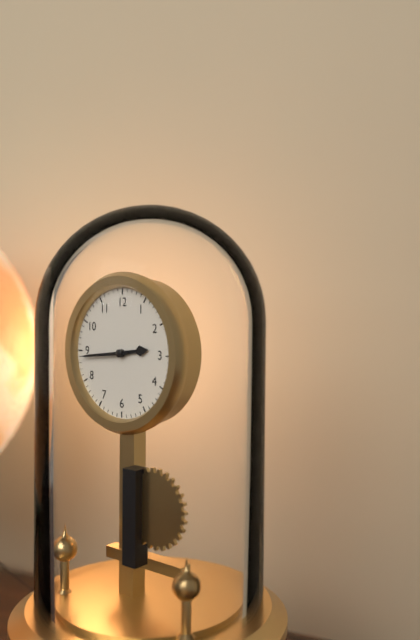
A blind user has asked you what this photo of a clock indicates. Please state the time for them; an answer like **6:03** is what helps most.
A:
**2:44**
